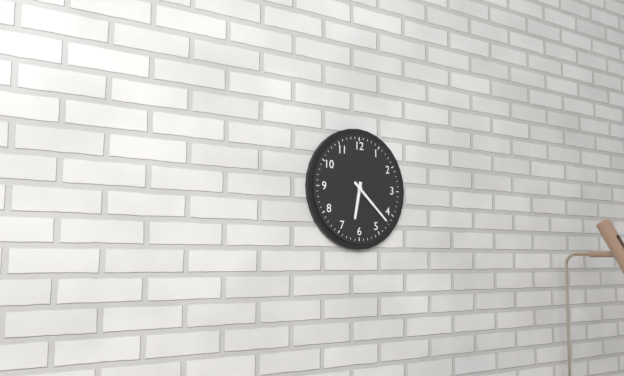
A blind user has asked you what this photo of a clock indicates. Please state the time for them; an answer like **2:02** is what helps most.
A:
**6:22**
